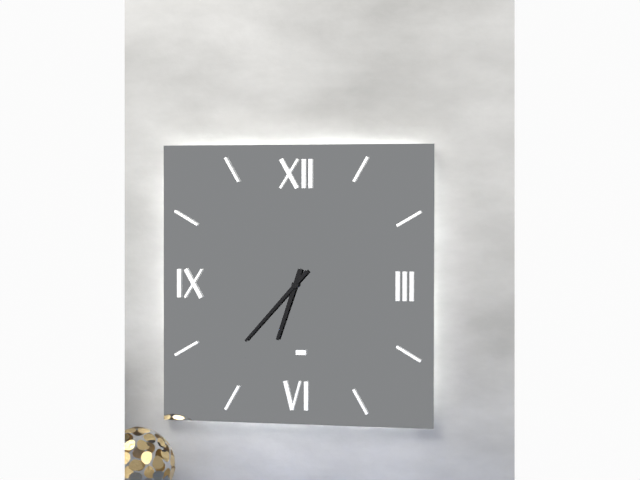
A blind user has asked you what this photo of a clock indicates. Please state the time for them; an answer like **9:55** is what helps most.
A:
**6:37**
